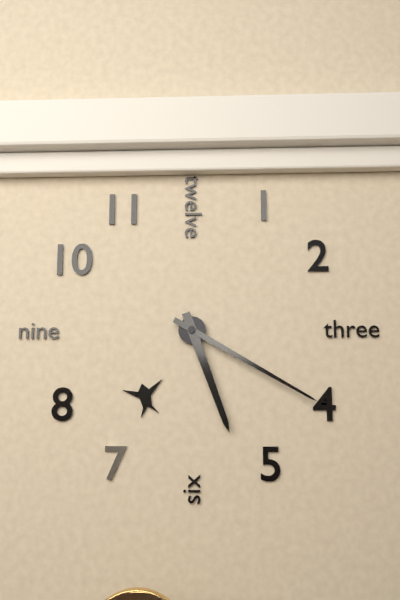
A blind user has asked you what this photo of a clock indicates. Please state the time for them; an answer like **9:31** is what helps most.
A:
**5:20**
